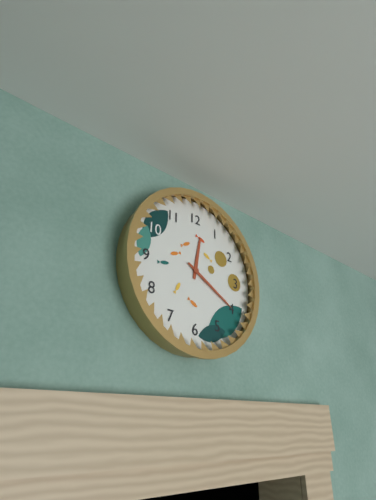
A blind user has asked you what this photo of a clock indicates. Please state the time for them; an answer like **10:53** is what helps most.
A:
**12:20**
